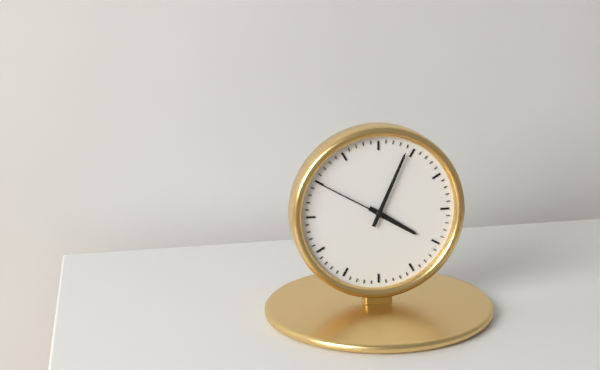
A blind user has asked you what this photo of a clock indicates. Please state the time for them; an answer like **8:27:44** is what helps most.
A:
**4:04:50**
